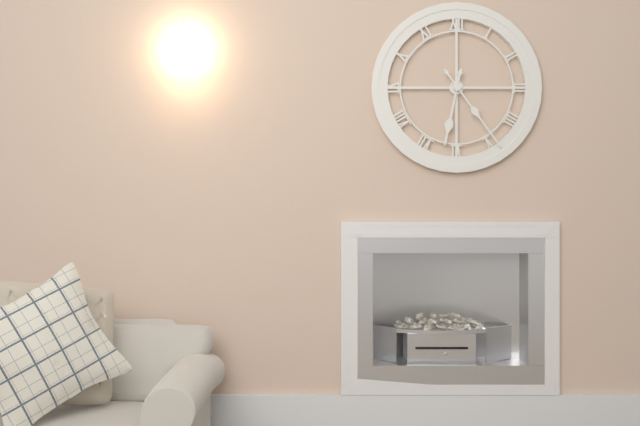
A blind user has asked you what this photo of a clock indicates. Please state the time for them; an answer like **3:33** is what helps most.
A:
**6:24**
